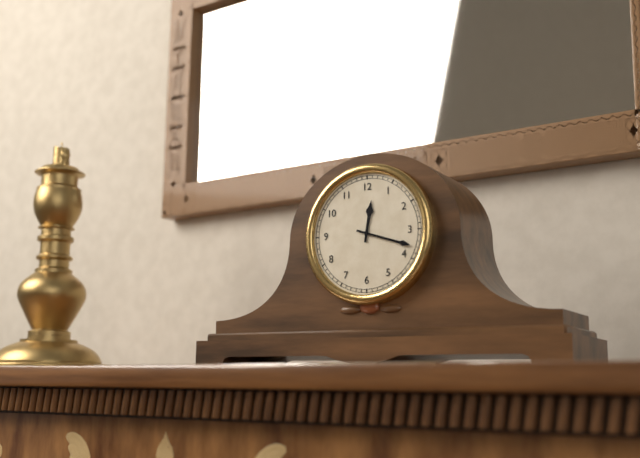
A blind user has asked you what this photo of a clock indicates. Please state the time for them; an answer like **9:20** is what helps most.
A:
**12:18**
